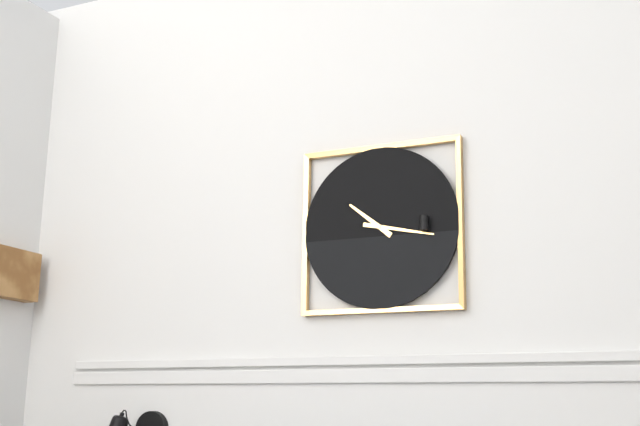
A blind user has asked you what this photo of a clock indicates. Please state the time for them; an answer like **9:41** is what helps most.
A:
**10:17**
